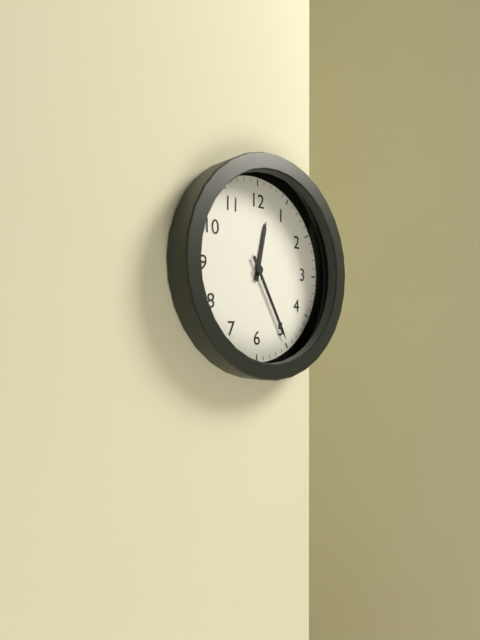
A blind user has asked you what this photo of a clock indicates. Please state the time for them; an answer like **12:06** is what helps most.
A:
**12:25**
